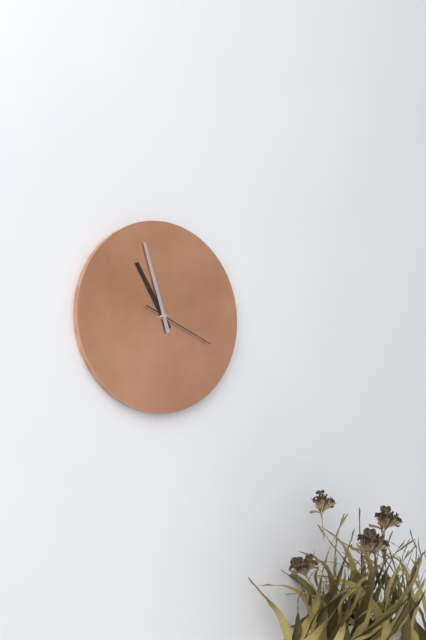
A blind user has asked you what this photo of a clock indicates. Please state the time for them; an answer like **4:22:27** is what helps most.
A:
**10:57:19**
